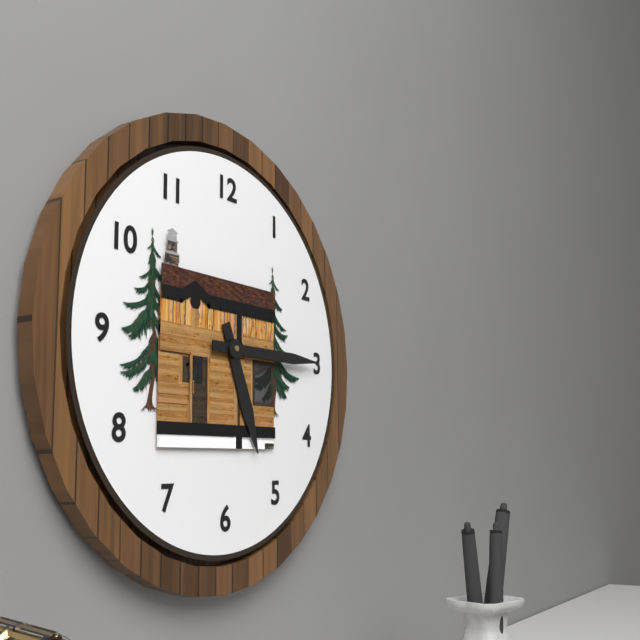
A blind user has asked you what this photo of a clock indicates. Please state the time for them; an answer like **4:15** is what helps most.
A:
**5:15**
